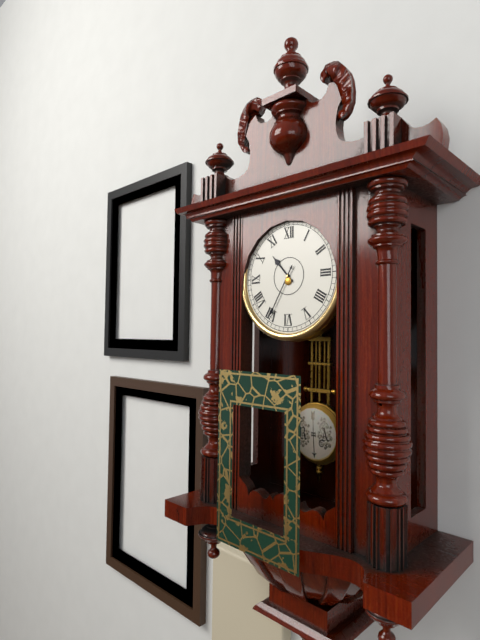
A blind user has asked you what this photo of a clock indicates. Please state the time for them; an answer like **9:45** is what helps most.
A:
**10:35**
